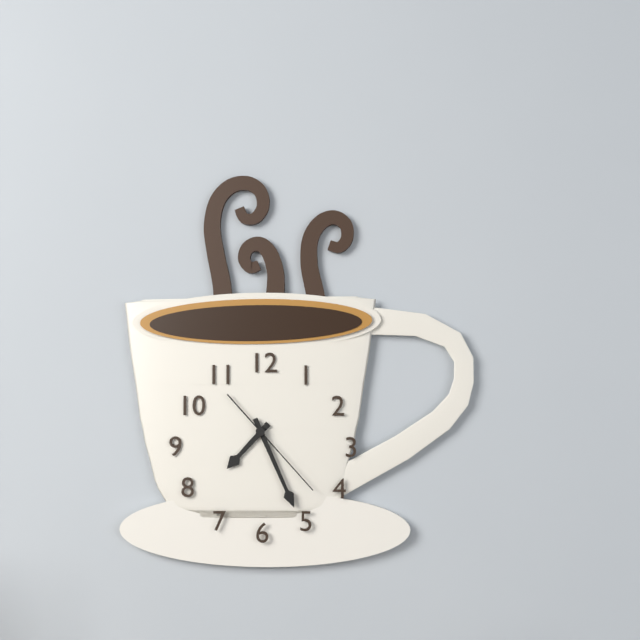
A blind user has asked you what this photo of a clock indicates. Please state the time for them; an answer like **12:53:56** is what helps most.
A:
**7:26:23**
